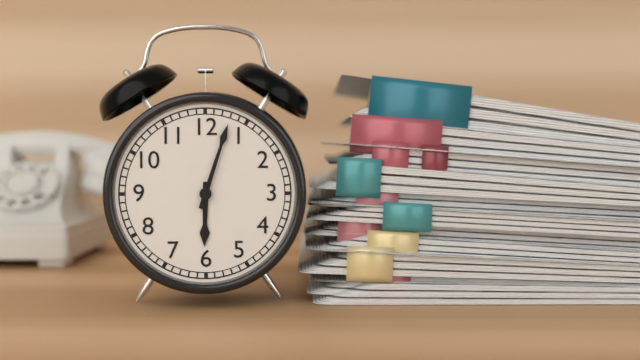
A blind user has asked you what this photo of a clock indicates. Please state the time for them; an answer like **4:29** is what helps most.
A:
**6:03**
